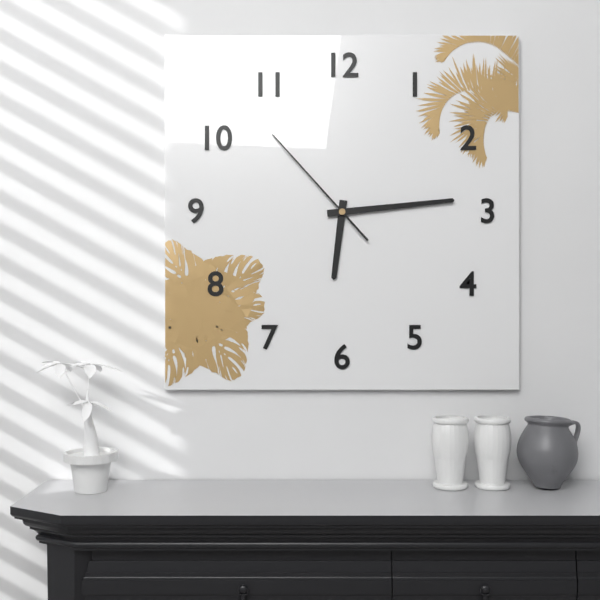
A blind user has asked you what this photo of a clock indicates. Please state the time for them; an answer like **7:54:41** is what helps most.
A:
**6:14:53**
